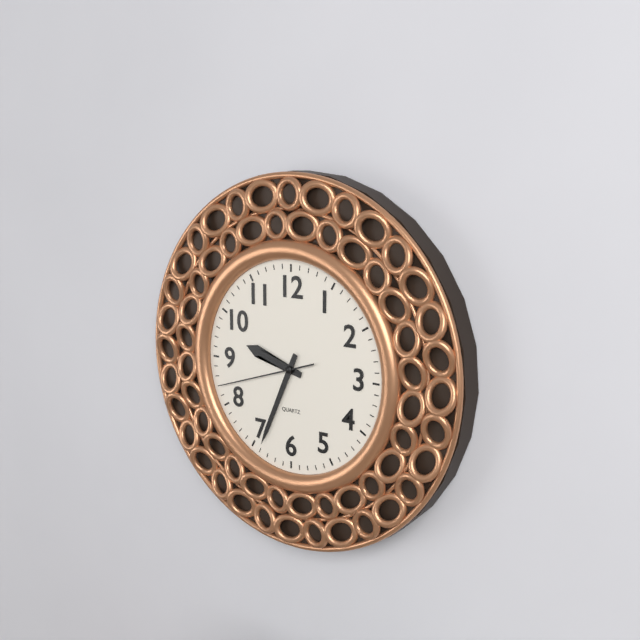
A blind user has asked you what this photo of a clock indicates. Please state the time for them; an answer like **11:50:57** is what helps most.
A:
**9:34:42**
